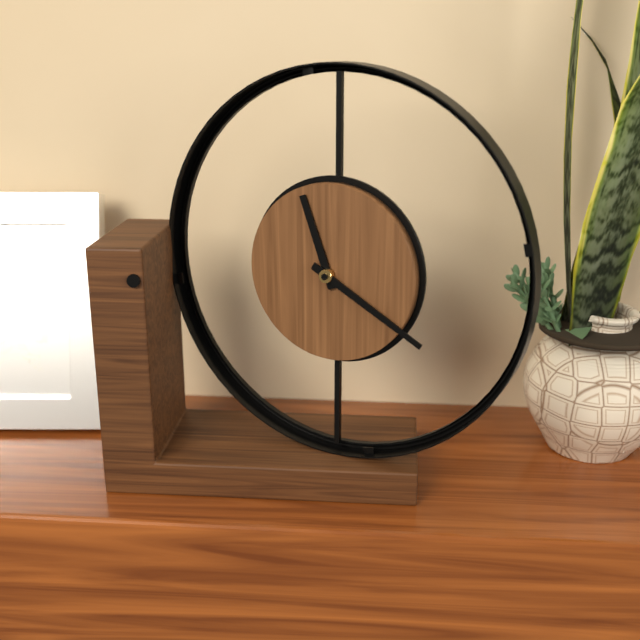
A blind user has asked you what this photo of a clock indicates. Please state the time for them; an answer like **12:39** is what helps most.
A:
**11:20**
